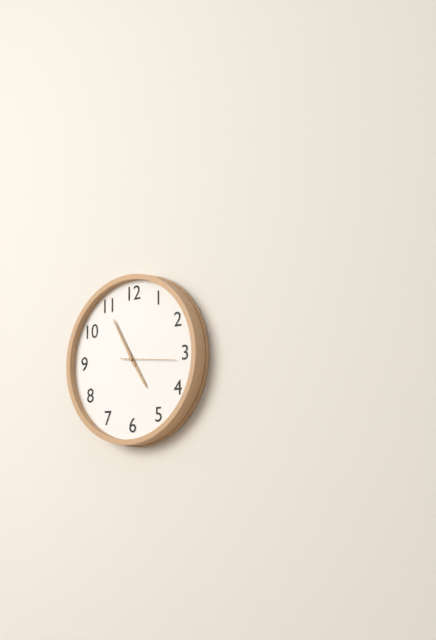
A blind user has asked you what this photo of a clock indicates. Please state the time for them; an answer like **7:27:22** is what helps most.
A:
**4:55:16**
